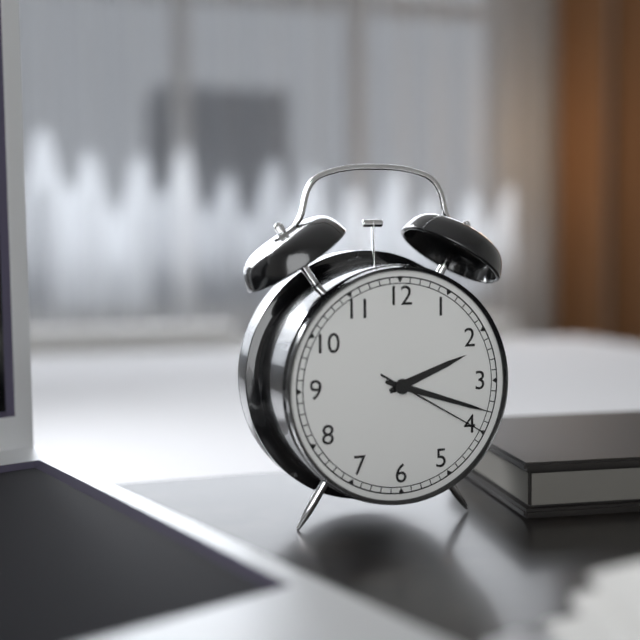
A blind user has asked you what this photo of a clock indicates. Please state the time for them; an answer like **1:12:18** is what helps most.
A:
**2:18:20**
